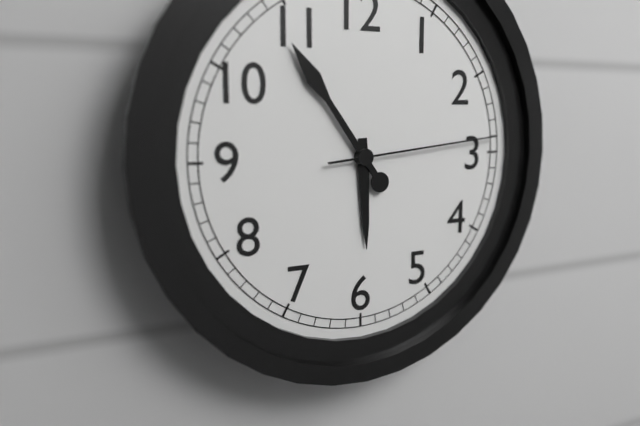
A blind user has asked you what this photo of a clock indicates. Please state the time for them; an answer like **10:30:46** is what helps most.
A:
**5:54:14**
